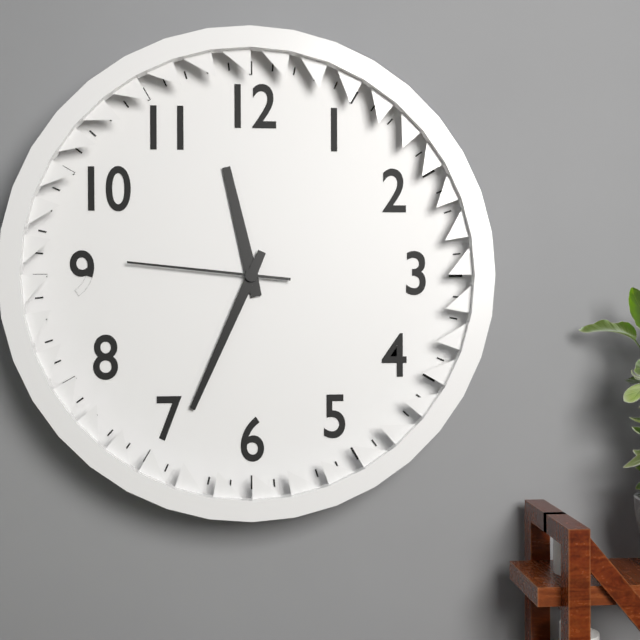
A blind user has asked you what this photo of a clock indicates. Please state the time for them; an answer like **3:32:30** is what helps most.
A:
**11:34:46**
